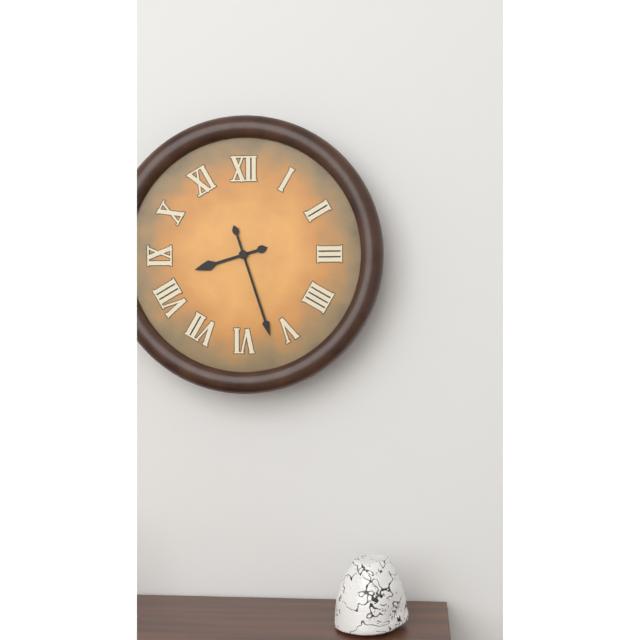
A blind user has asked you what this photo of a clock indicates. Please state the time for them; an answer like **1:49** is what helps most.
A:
**8:27**
